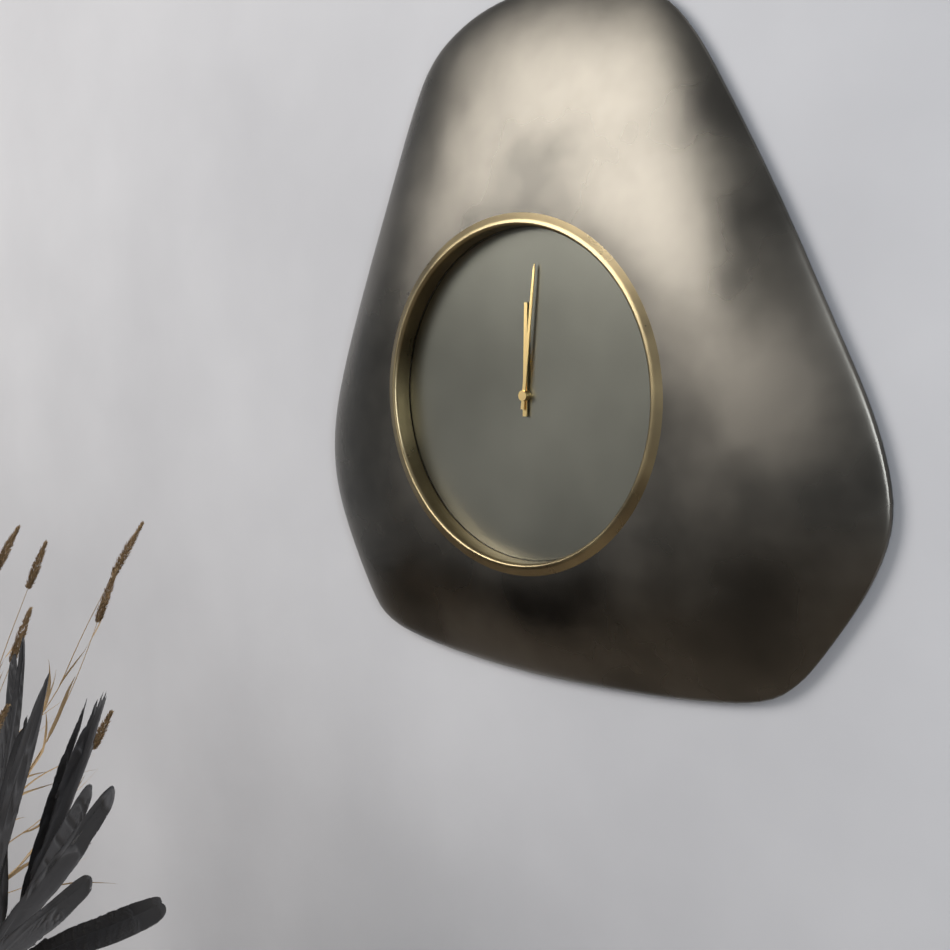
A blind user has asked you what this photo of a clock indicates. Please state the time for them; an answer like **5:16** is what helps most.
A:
**12:01**
